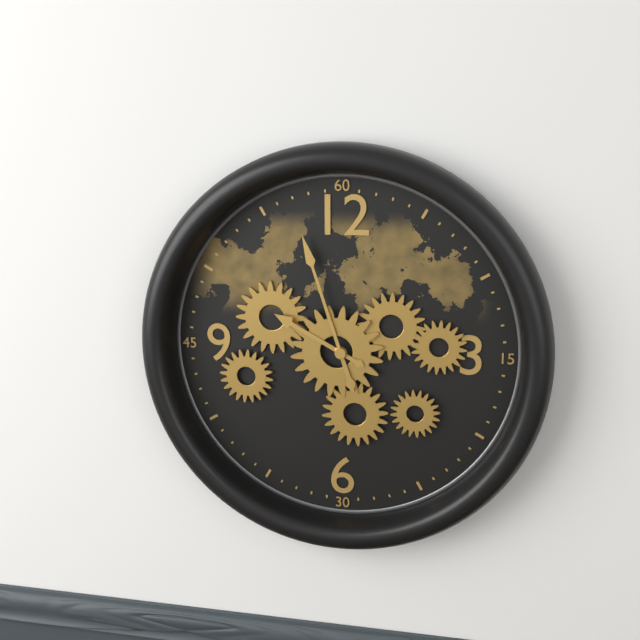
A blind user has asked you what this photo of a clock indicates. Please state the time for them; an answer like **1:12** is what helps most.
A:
**9:57**
